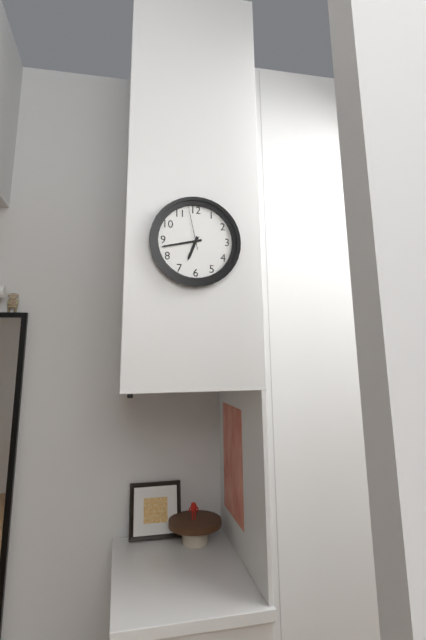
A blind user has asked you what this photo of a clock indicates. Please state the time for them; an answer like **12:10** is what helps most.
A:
**6:43**
